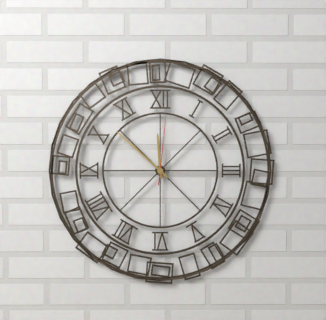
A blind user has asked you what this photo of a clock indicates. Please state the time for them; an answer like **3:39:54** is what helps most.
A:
**11:52:01**
